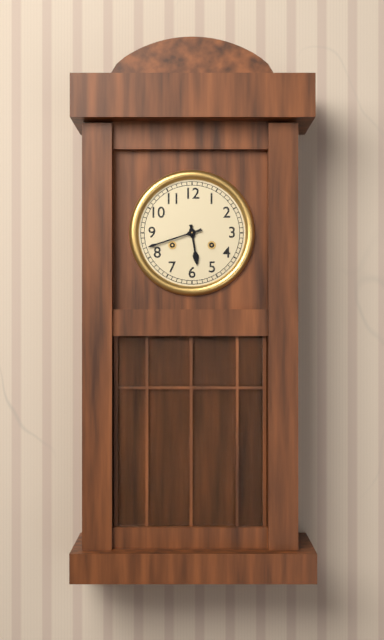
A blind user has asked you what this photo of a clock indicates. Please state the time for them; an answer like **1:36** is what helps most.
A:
**5:42**
